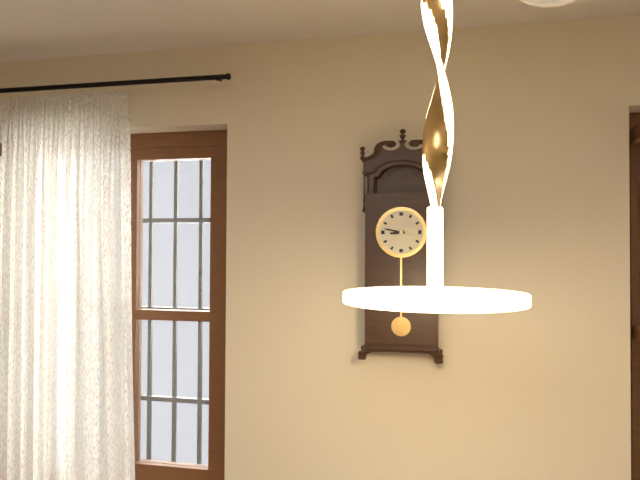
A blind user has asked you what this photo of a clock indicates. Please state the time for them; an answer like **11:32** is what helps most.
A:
**8:47**
